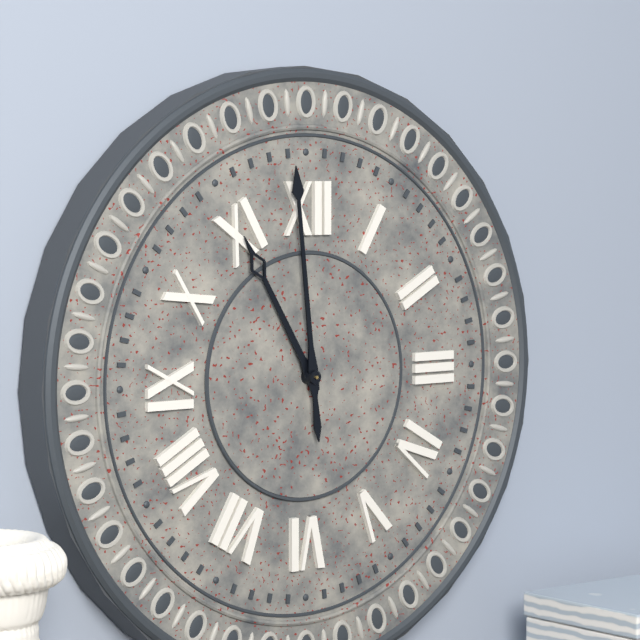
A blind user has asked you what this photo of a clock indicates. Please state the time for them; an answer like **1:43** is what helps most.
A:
**10:59**
